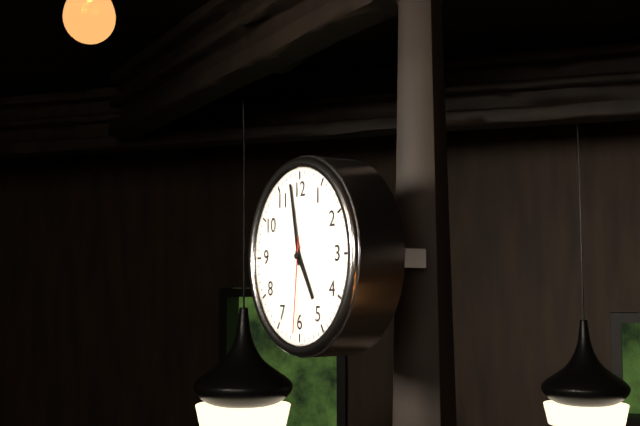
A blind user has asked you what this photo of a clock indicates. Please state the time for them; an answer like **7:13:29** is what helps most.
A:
**4:58:31**
